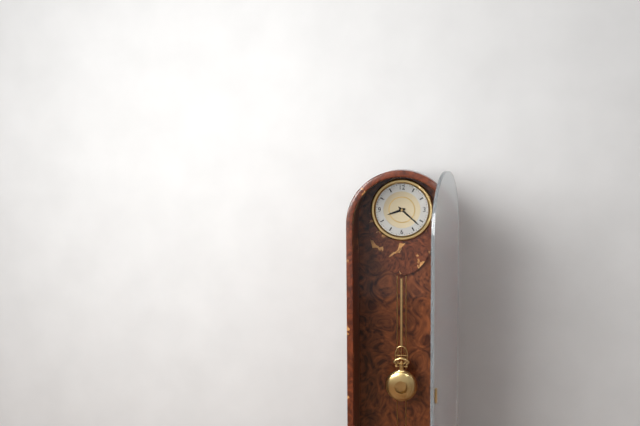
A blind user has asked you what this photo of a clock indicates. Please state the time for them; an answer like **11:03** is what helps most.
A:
**8:22**
